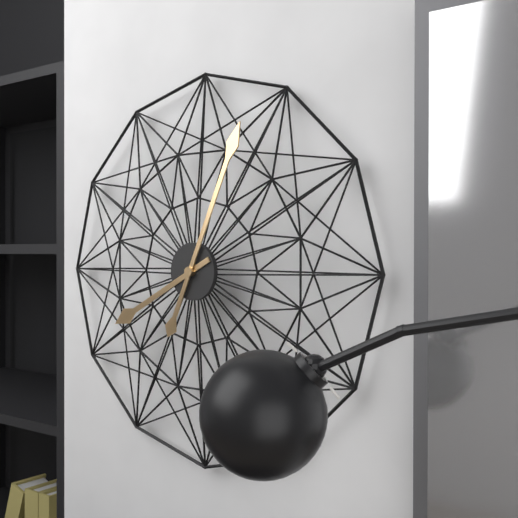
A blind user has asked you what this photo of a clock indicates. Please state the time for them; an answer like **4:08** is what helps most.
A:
**8:04**
